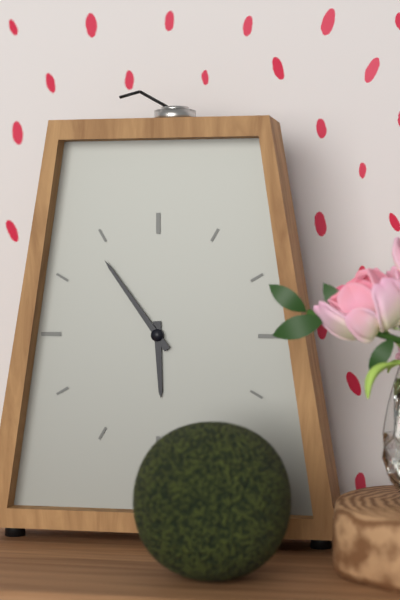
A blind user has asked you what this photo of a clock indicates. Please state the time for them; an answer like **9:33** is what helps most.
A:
**5:54**
